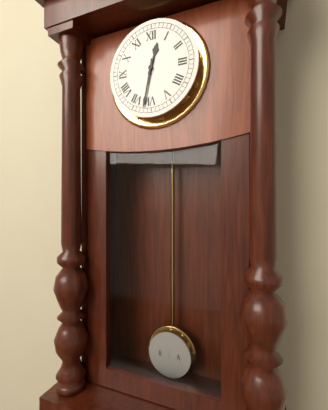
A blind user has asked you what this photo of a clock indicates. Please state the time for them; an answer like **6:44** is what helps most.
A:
**12:32**
